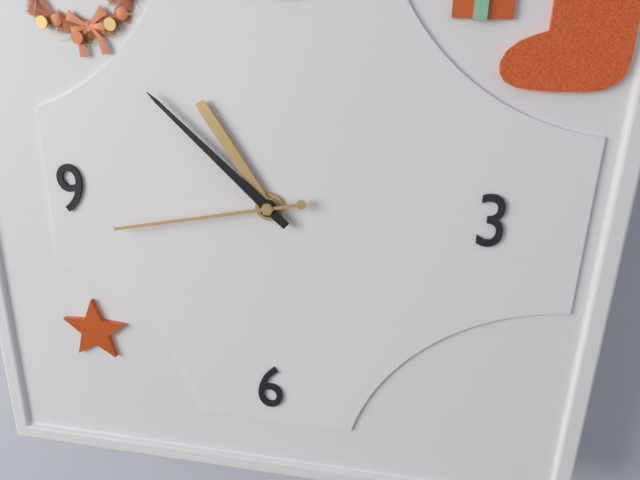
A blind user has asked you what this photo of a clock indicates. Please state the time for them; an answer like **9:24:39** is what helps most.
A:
**10:52:43**
